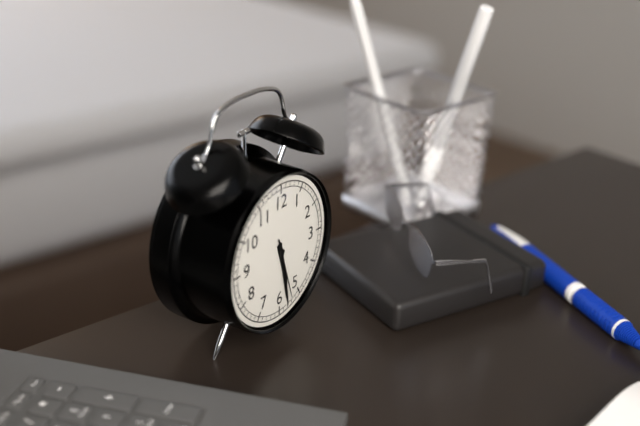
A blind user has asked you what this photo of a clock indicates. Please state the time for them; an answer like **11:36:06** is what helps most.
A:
**5:28:27**
